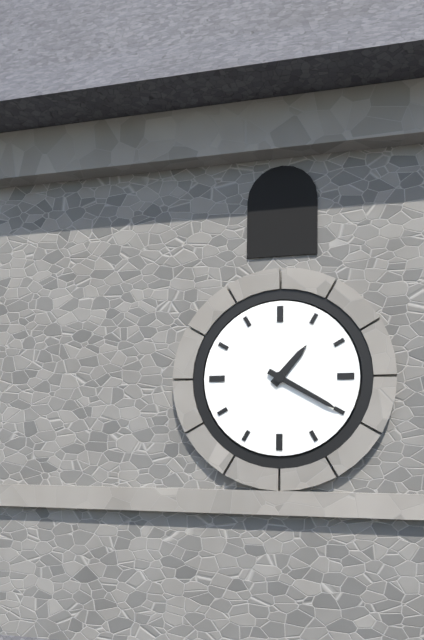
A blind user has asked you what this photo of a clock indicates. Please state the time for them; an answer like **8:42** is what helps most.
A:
**1:20**
